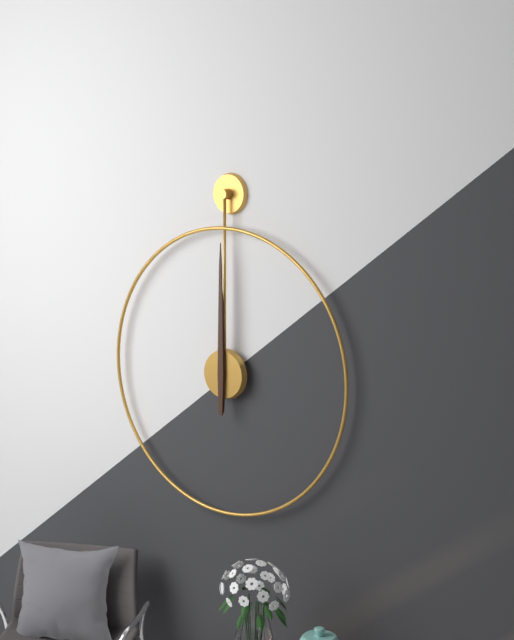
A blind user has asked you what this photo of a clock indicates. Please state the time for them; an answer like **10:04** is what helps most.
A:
**12:00**
